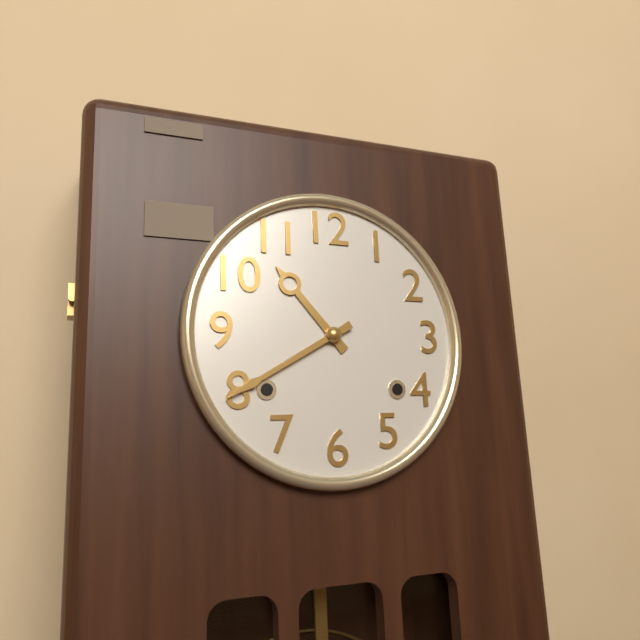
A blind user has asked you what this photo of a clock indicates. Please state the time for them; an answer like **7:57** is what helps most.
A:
**10:40**
